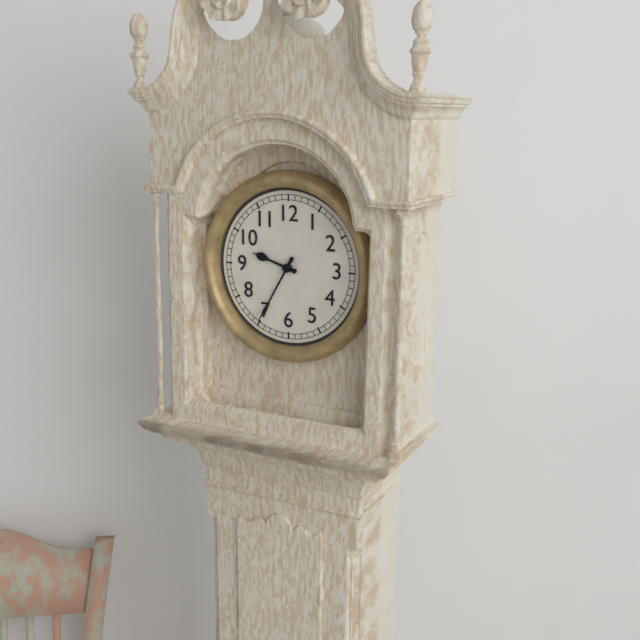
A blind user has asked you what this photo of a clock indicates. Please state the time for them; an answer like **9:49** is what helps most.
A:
**9:35**
